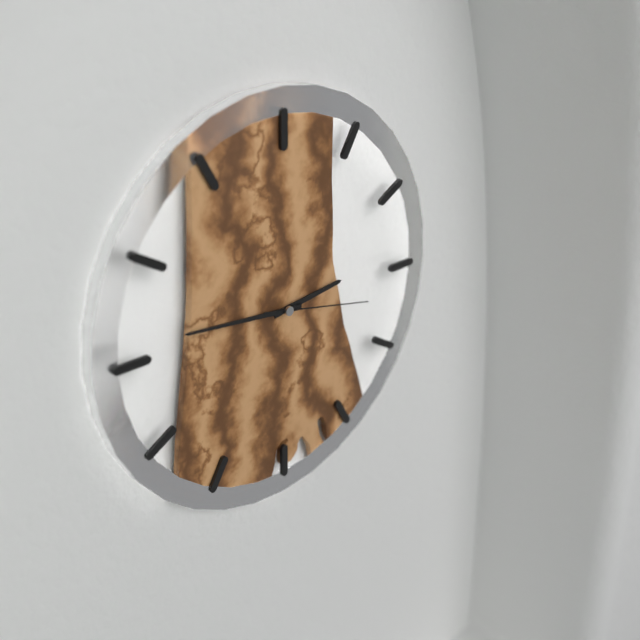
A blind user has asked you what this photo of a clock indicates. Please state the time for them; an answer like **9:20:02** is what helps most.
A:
**2:46:17**
